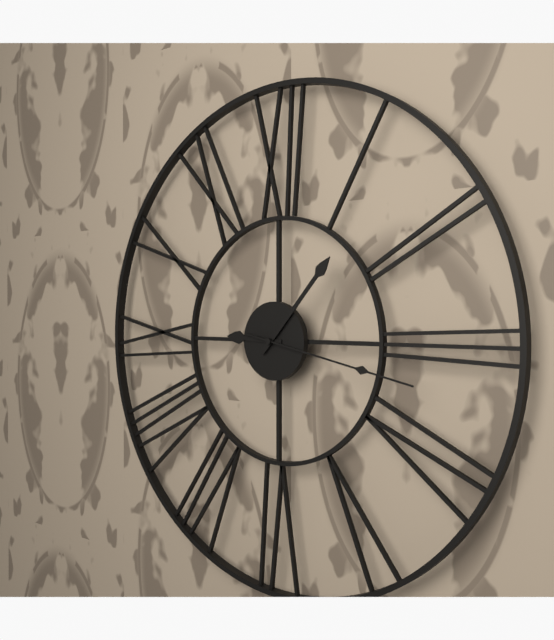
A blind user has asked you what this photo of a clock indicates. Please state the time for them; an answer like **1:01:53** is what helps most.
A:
**9:07:17**
